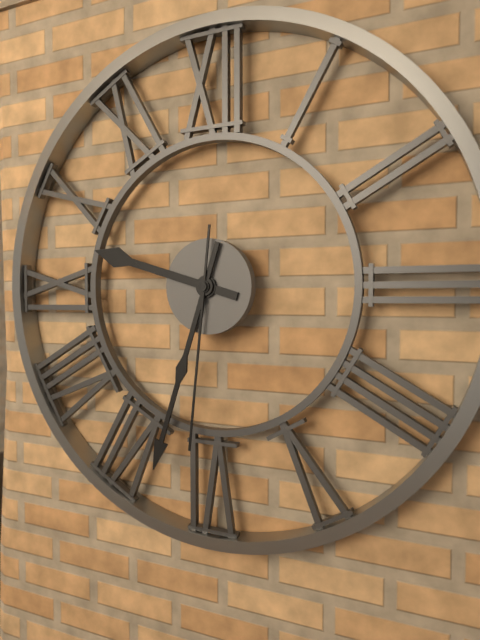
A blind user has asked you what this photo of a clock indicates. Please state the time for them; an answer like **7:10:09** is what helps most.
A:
**9:33:31**
